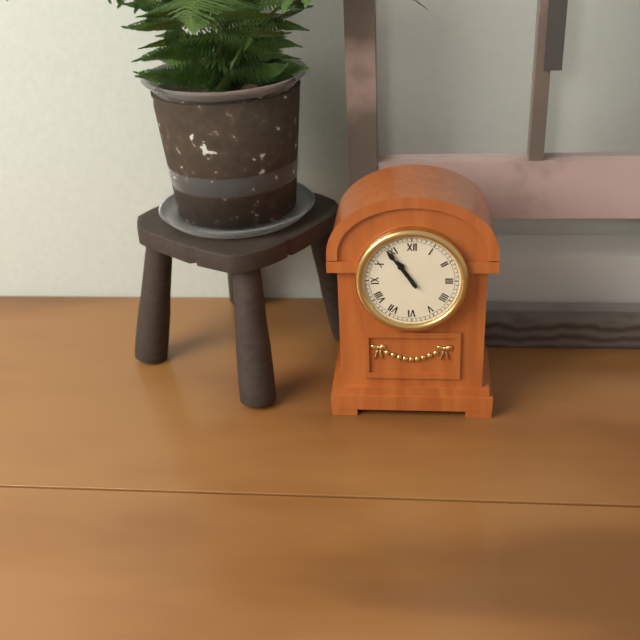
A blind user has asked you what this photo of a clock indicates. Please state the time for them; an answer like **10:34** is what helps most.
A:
**10:54**
